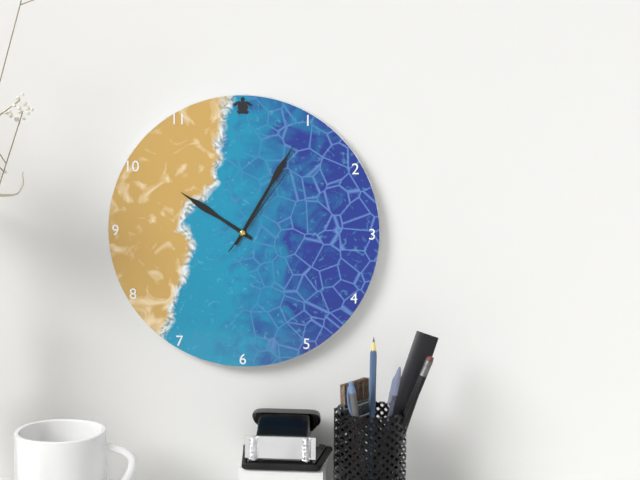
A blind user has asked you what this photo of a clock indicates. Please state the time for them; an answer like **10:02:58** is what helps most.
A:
**10:05:06**
